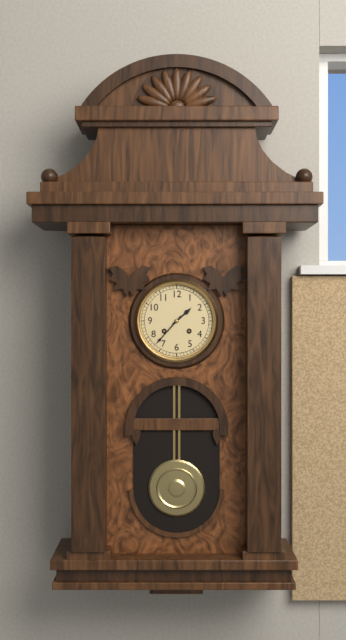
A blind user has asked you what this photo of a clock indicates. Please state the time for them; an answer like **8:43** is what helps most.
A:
**1:37**
